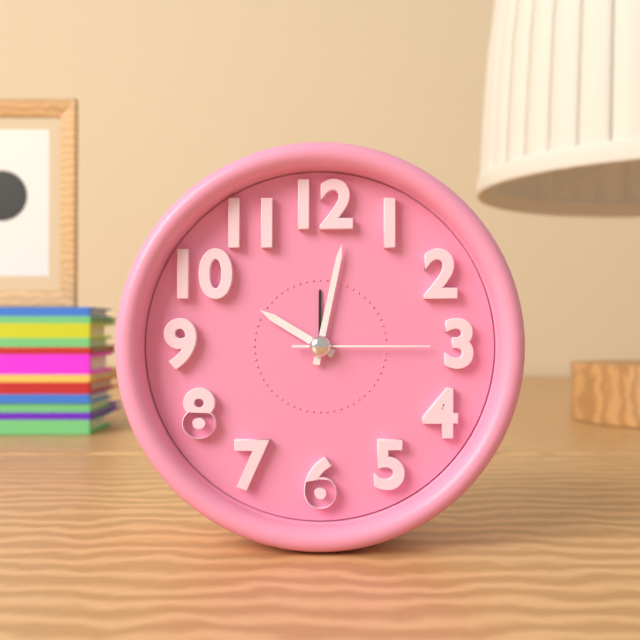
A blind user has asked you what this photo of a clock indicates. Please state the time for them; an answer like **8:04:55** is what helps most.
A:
**10:02:15**
